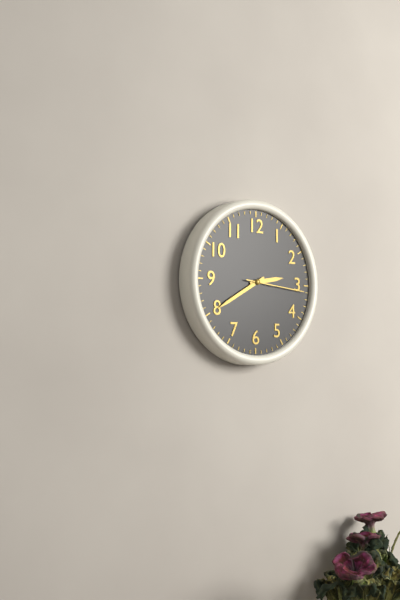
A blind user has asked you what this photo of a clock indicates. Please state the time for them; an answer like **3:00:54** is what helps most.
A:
**2:40:16**
